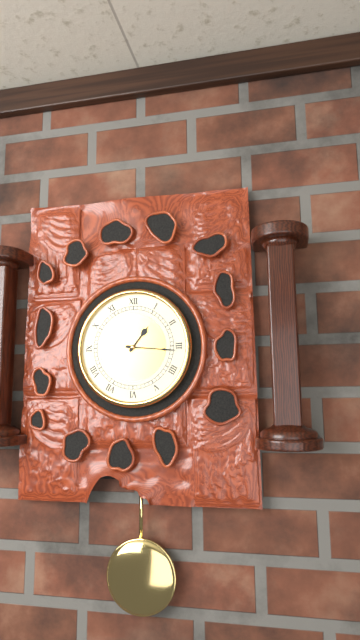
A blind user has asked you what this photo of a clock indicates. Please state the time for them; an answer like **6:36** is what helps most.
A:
**1:16**
